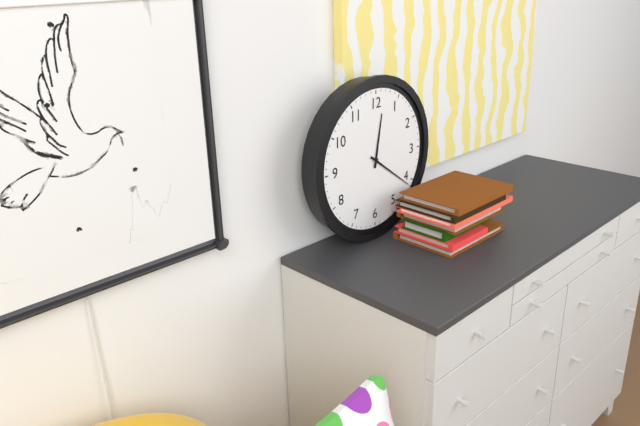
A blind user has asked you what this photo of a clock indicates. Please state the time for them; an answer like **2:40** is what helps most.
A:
**12:21**
